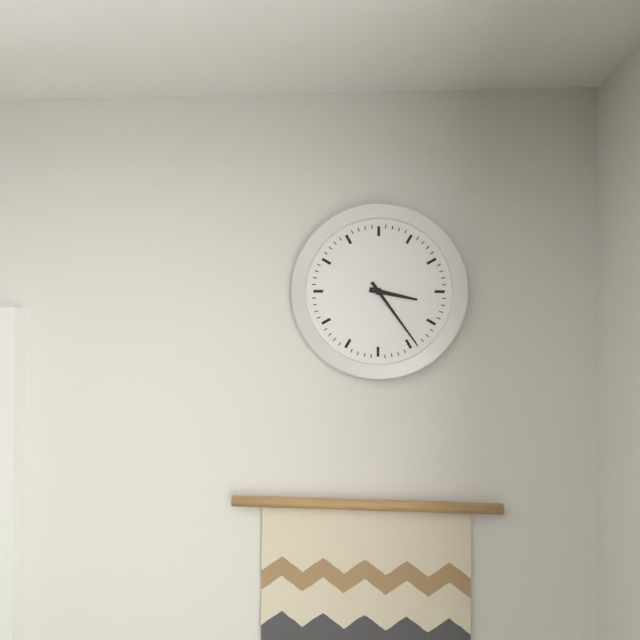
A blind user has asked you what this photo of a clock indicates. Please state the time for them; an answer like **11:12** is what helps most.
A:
**3:24**
